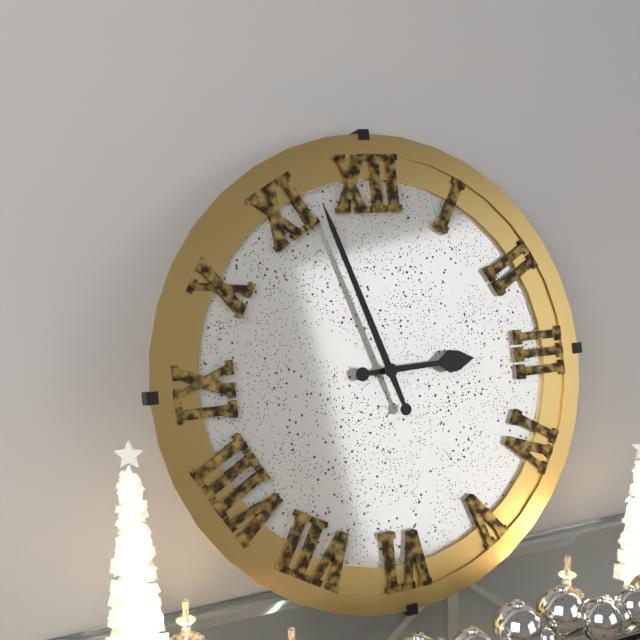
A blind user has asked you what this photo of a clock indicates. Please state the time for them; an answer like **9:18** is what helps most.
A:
**2:57**
